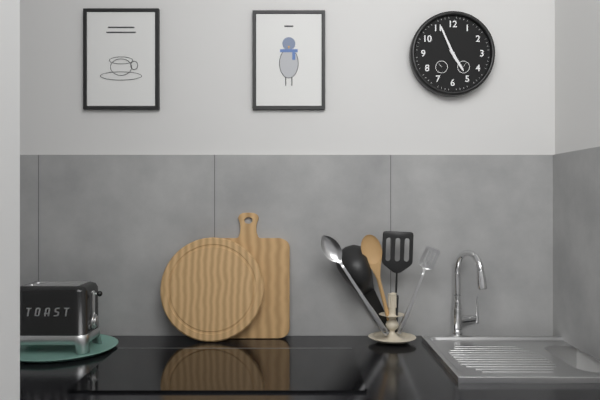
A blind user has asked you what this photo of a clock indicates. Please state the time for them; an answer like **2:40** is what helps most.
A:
**4:56**
